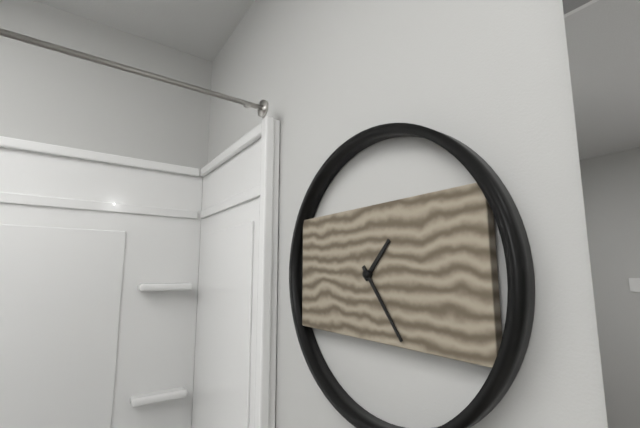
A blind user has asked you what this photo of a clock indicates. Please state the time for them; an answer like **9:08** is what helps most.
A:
**1:24**
